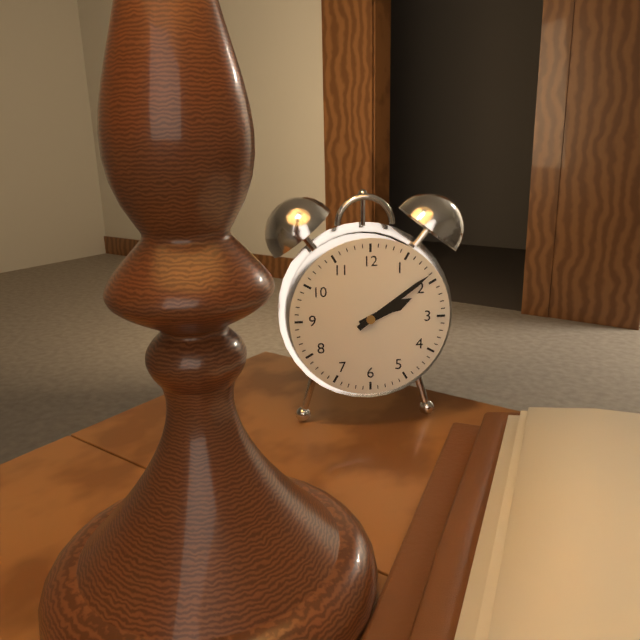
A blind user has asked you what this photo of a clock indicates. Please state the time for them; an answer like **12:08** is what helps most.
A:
**2:09**
